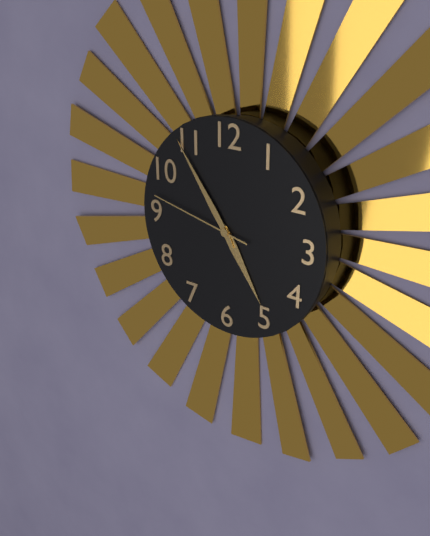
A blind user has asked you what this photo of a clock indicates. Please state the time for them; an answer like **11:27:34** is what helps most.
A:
**4:54:47**
